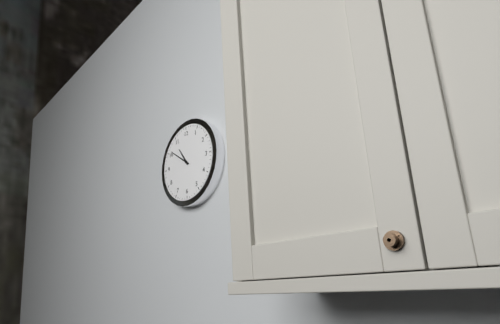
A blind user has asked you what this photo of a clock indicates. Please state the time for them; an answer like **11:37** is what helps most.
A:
**10:51**
